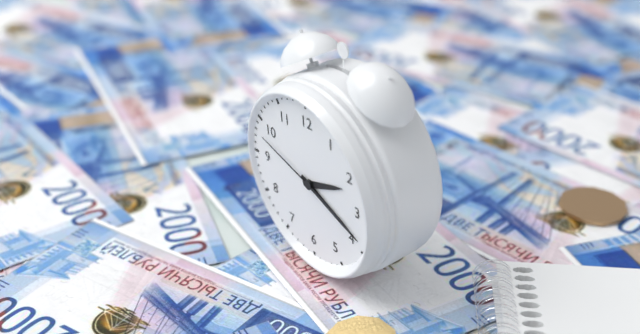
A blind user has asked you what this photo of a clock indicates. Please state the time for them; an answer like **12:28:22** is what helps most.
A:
**2:19:48**
